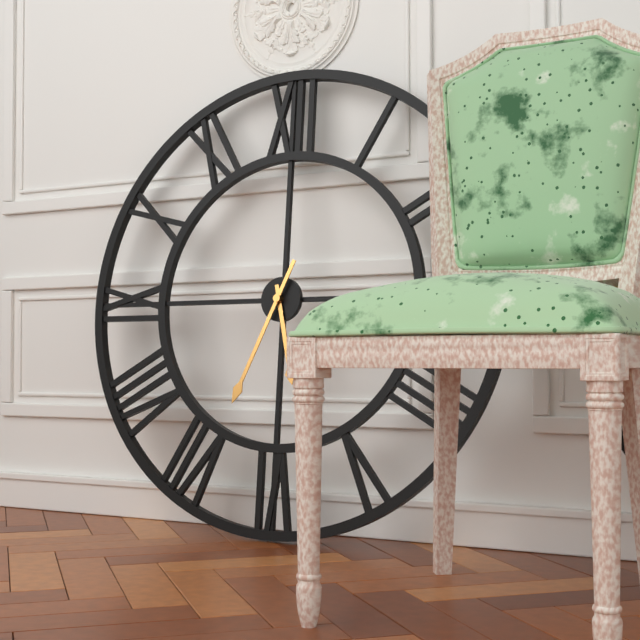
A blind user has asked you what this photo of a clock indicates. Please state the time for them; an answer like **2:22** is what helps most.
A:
**5:34**
